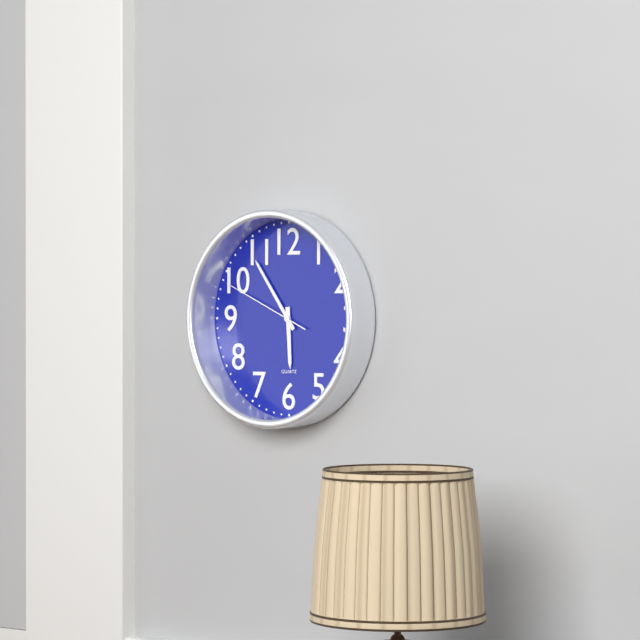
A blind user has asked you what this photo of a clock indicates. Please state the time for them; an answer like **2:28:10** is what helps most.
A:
**5:54:49**
